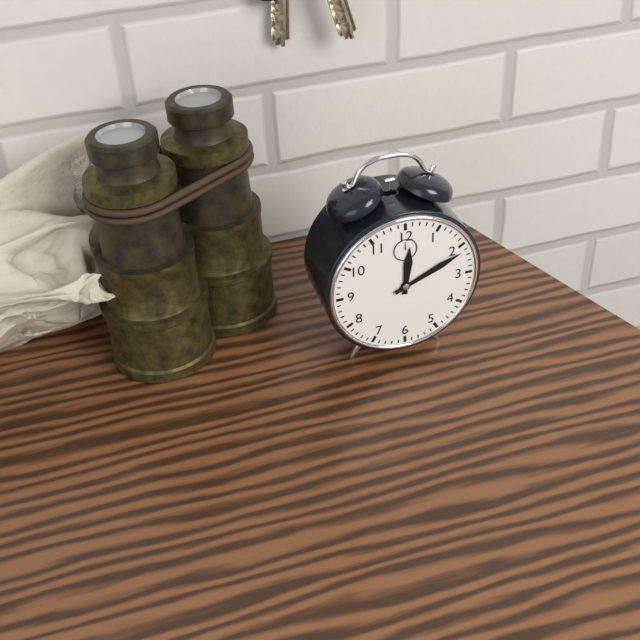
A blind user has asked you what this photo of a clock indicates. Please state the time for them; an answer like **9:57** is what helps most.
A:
**12:11**
